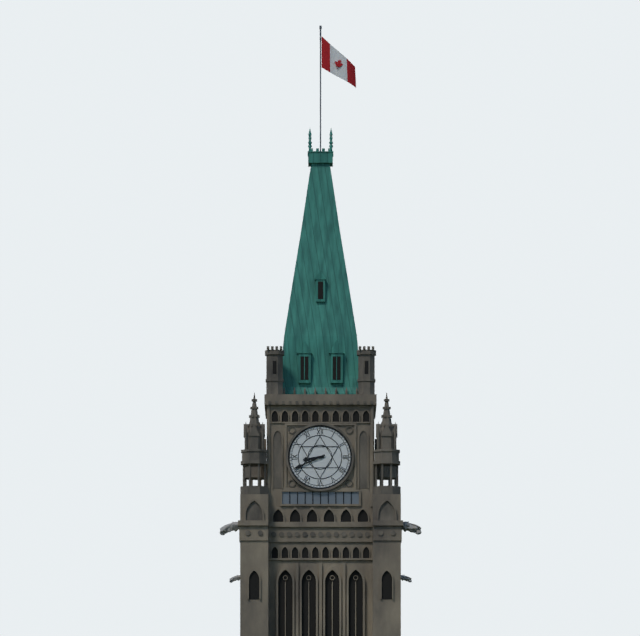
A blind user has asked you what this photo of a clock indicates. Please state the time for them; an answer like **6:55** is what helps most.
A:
**8:41**
